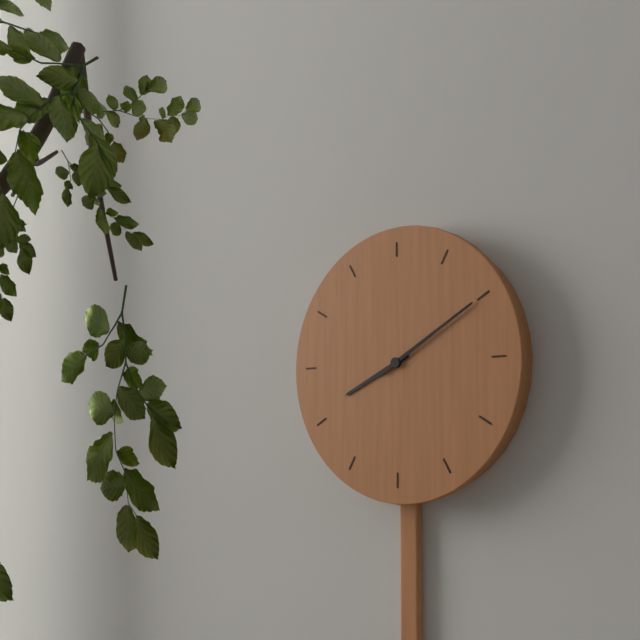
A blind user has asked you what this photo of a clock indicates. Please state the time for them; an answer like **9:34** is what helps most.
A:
**8:10**
